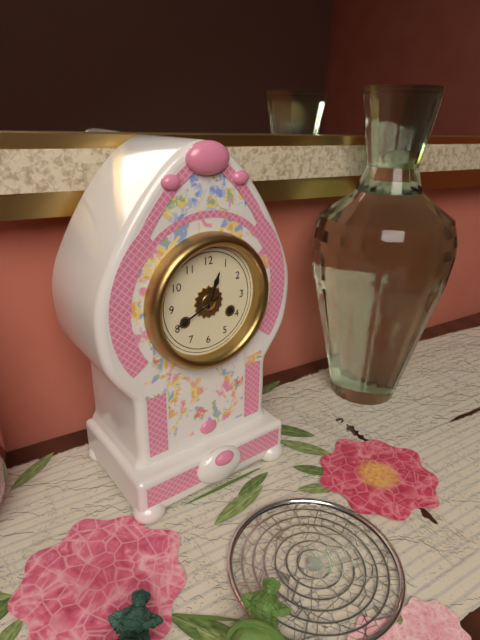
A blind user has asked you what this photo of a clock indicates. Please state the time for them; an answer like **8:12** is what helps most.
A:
**12:41**
